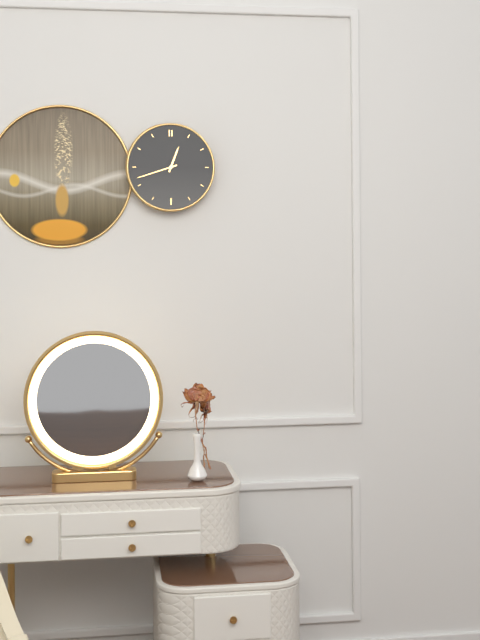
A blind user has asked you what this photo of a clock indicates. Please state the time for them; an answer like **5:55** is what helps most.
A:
**12:42**
